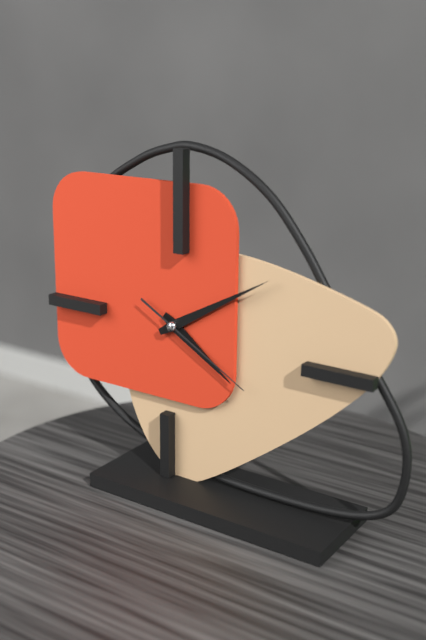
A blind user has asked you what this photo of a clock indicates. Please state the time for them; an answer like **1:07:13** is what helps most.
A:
**4:10:20**
